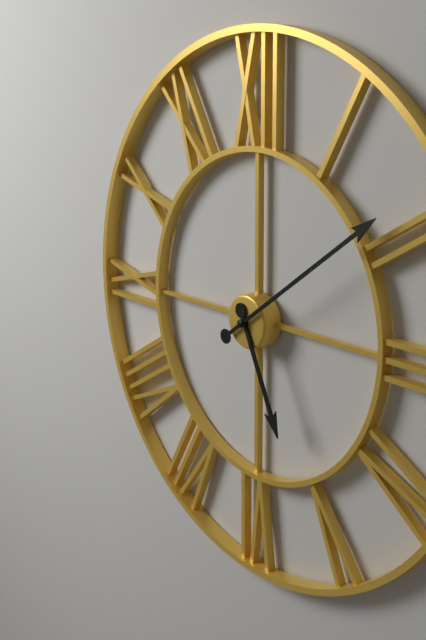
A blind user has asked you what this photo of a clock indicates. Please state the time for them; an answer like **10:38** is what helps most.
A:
**5:09**
